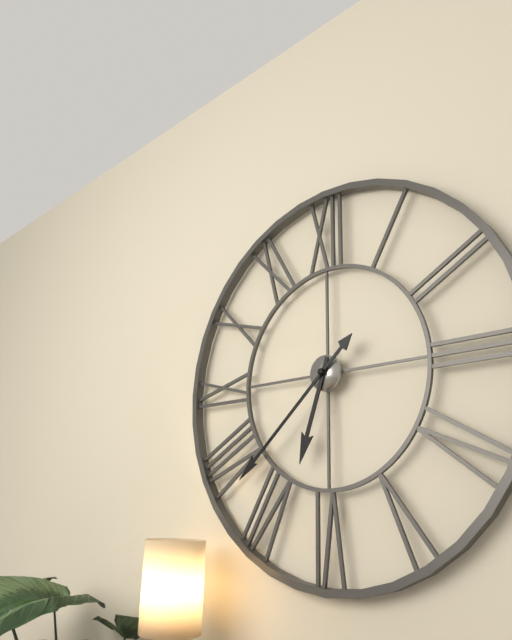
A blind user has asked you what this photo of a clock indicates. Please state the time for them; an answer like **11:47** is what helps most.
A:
**6:38**
